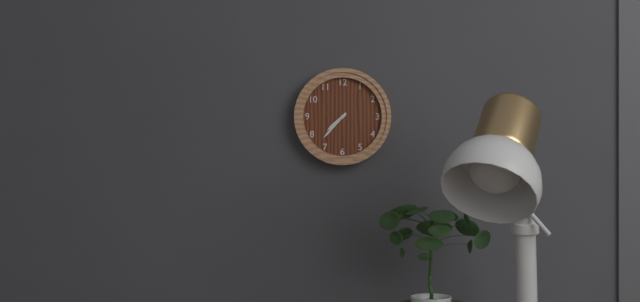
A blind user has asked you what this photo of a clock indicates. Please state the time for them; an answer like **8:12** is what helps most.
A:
**7:37**
